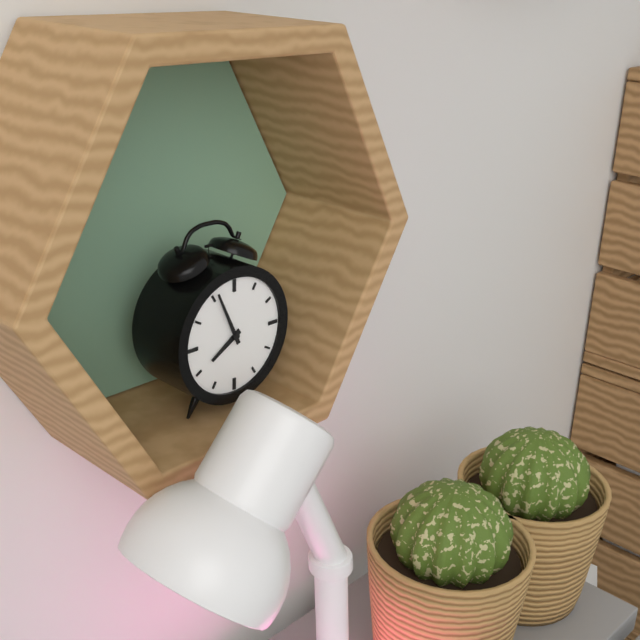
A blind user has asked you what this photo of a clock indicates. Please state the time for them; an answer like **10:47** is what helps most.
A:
**7:56**
